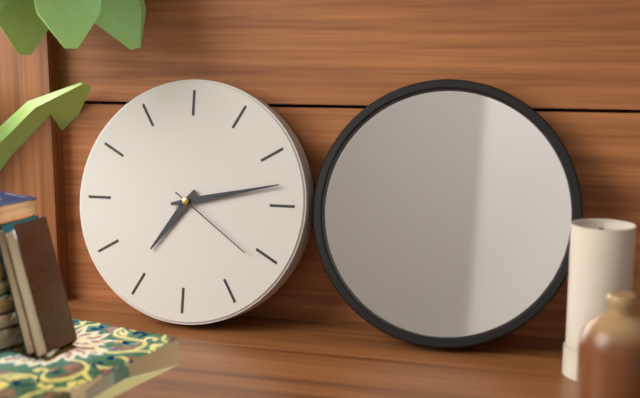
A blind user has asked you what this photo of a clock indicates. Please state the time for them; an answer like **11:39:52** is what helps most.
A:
**7:13:21**
